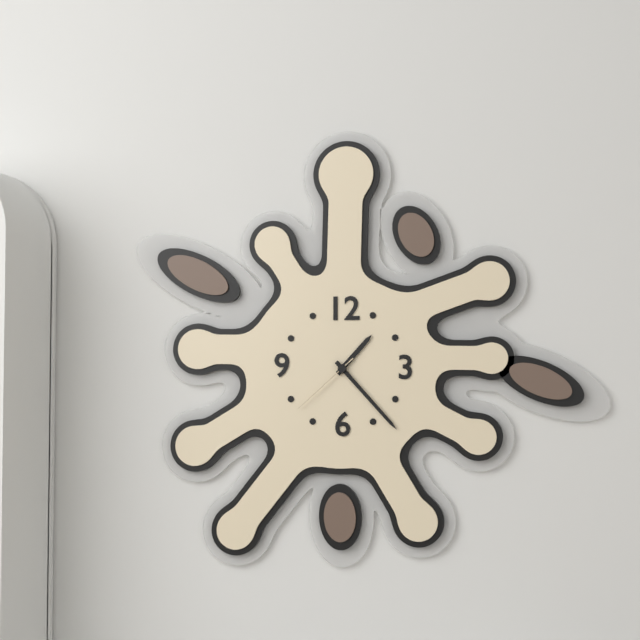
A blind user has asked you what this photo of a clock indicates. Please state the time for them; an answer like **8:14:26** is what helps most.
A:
**1:23:38**
